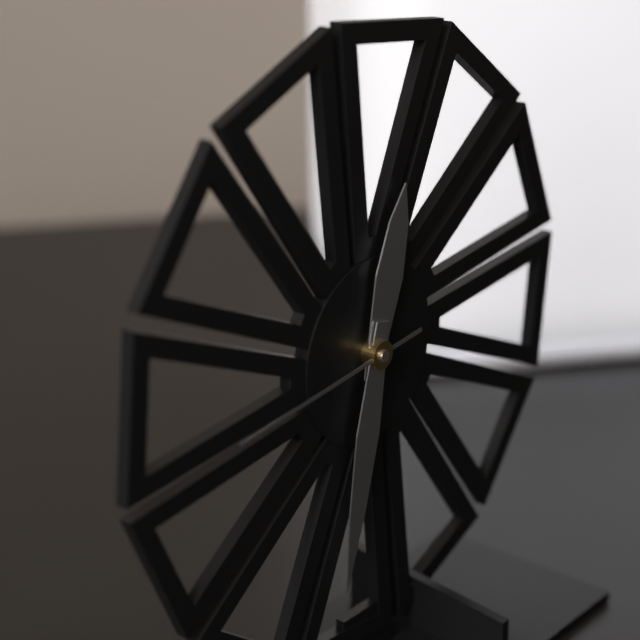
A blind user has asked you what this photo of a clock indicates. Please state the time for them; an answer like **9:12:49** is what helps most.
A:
**12:32:44**
